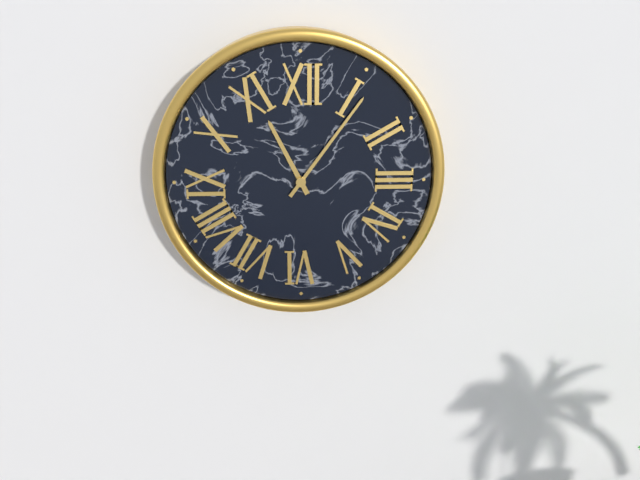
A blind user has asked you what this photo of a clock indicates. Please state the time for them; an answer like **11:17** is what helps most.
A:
**11:06**
